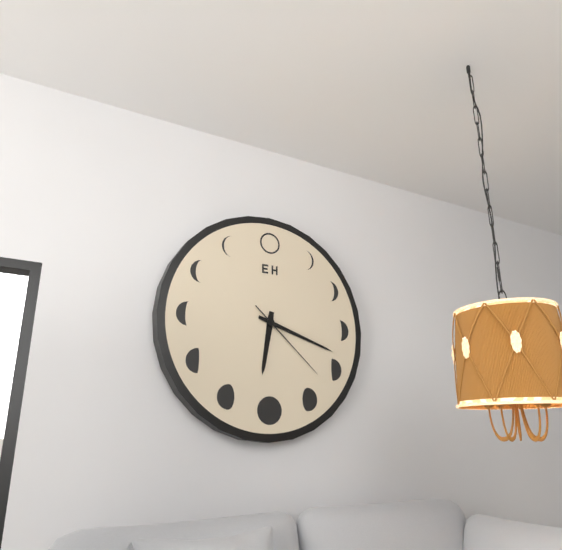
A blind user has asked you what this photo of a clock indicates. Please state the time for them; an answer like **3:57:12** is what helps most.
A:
**6:18:22**
